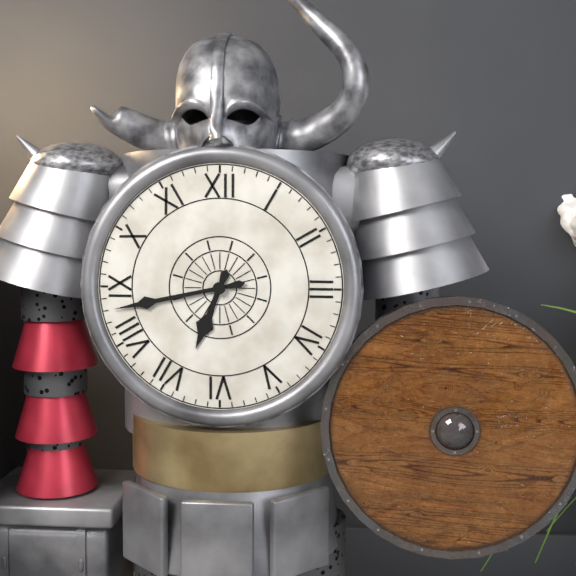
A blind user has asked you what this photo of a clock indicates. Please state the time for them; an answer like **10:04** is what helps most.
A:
**6:43**
